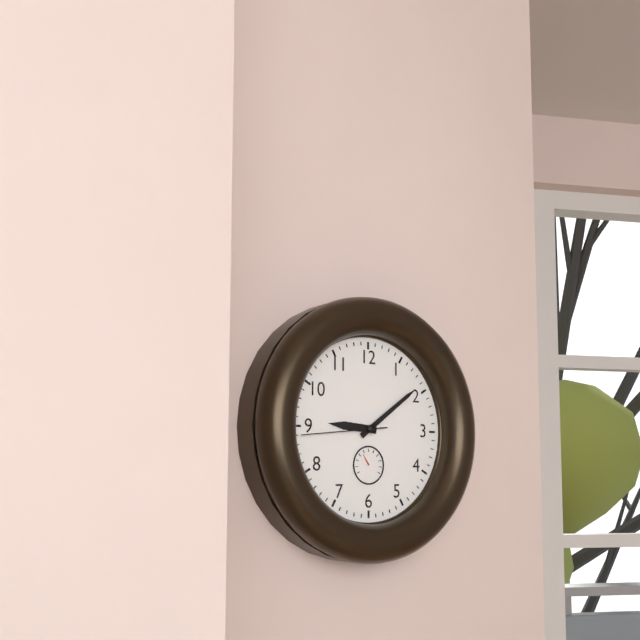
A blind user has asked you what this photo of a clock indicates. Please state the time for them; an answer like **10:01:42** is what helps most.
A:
**9:09:44**
